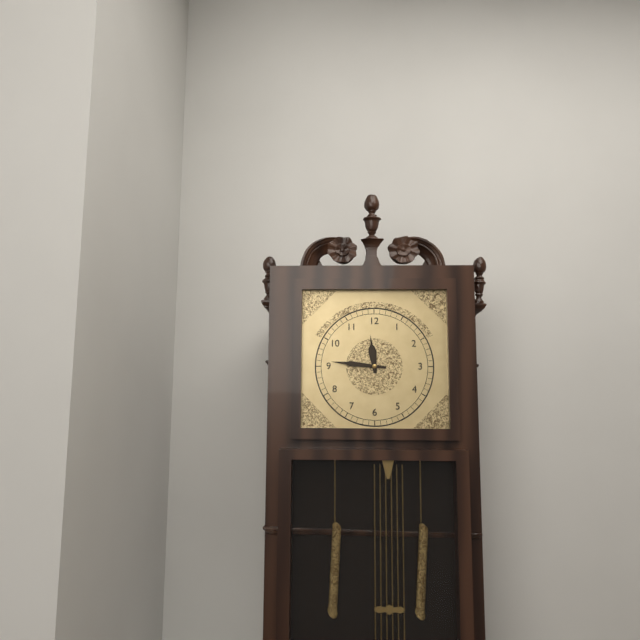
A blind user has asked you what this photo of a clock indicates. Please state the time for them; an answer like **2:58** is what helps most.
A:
**11:46**
